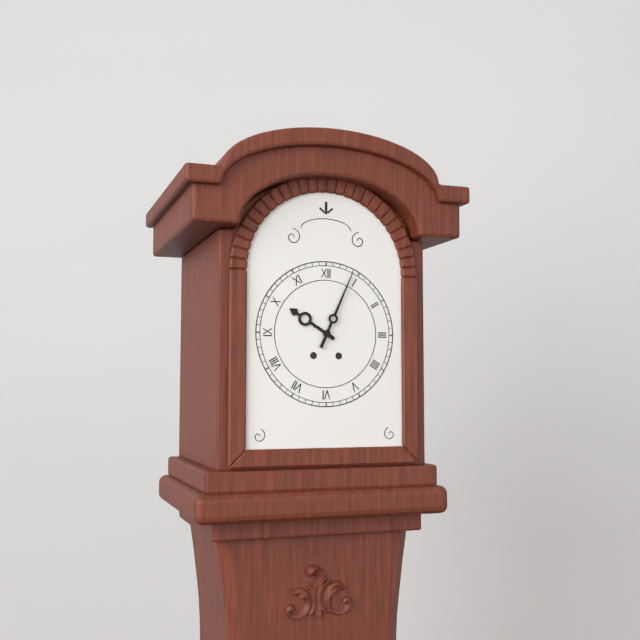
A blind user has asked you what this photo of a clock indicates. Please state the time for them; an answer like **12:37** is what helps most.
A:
**10:04**
